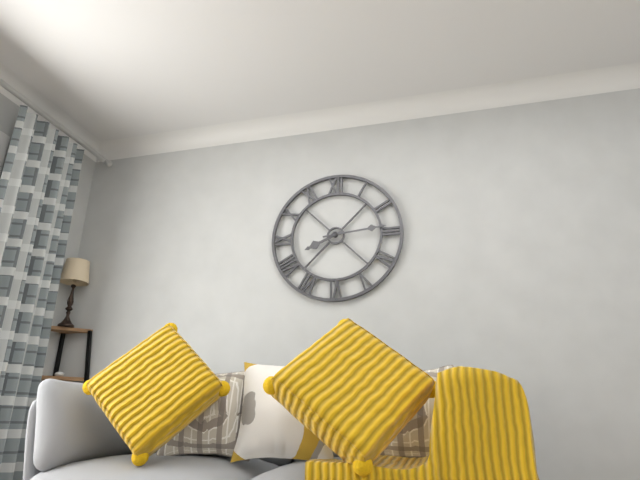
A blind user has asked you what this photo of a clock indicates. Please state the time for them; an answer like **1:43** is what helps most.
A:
**8:14**
